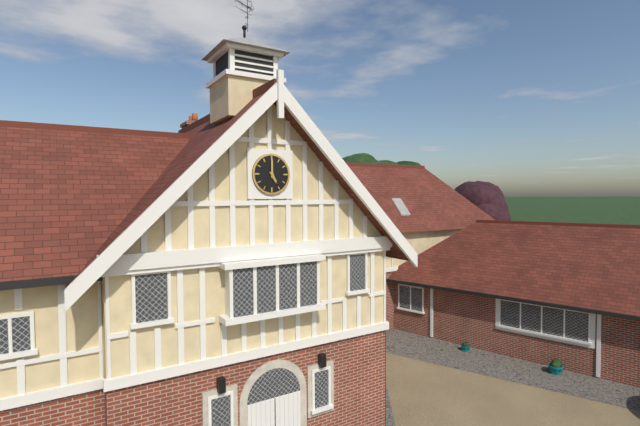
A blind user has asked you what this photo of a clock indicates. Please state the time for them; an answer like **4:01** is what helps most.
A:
**5:00**
